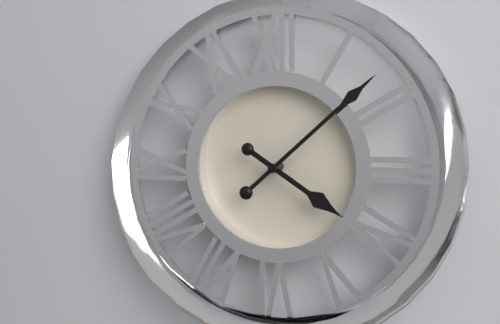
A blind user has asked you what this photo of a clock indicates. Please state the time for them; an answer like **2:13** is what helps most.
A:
**4:08**
